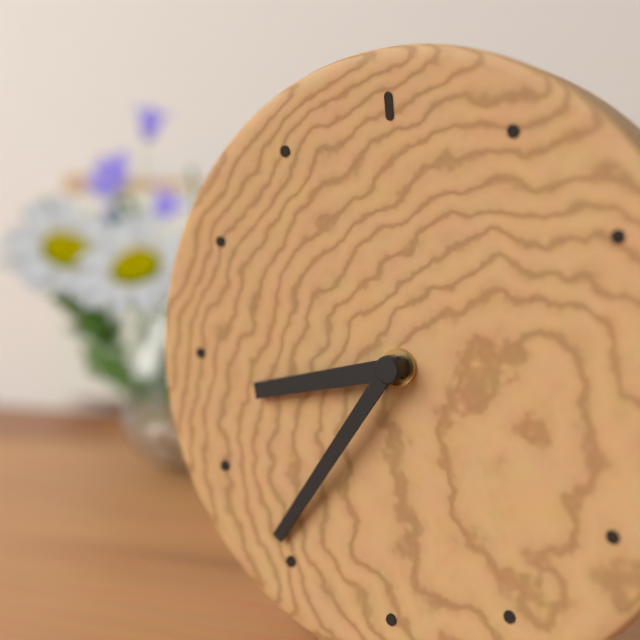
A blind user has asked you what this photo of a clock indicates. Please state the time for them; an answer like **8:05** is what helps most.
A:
**8:36**
